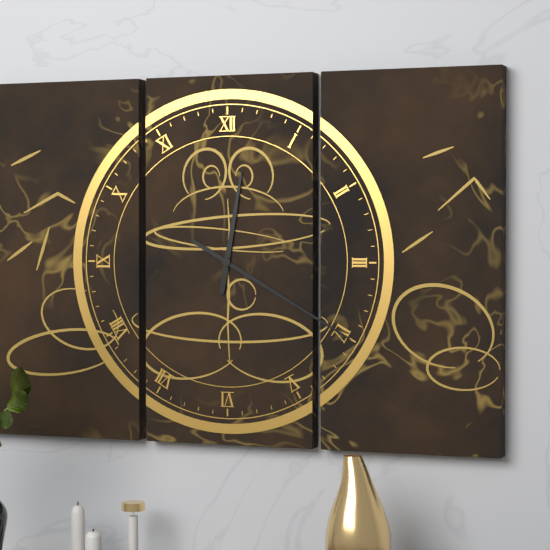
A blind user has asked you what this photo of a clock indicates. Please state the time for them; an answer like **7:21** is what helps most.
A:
**12:20**
